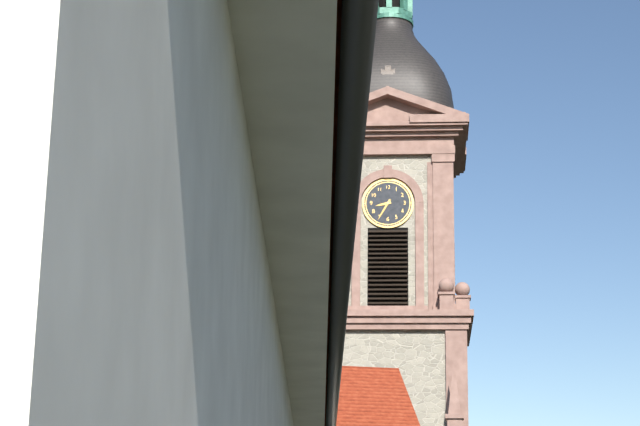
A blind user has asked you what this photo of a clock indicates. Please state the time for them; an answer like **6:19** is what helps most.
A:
**8:35**
